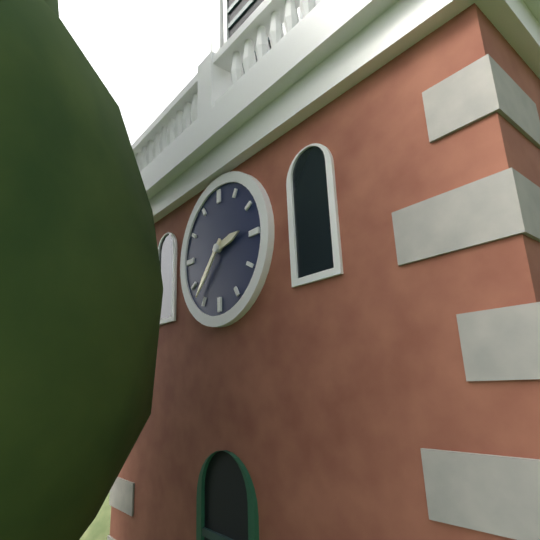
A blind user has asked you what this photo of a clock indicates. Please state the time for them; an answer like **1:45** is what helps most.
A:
**2:37**
